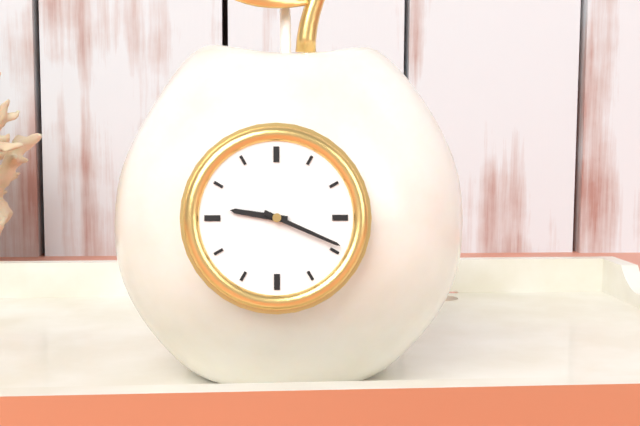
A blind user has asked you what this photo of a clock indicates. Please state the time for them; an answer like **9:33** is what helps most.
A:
**9:19**
